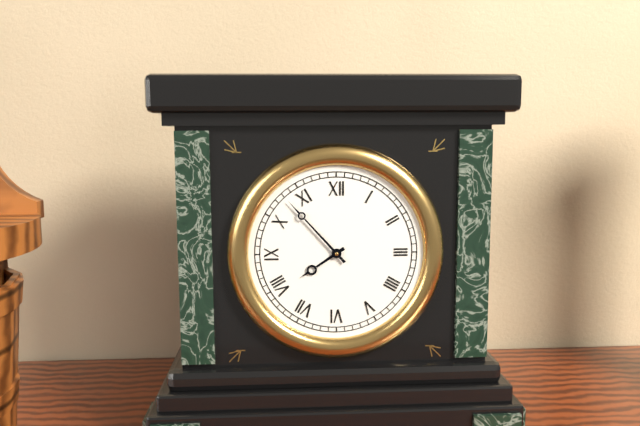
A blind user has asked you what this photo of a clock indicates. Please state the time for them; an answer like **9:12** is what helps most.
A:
**7:53**
